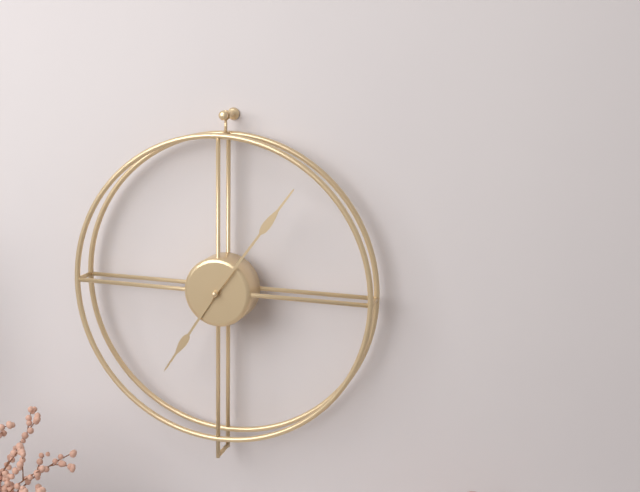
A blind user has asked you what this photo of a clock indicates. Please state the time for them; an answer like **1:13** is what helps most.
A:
**7:06**
